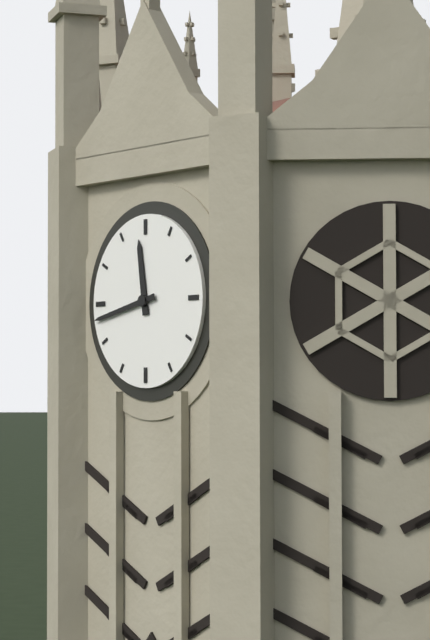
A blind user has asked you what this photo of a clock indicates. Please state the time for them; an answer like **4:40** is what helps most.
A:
**11:43**
